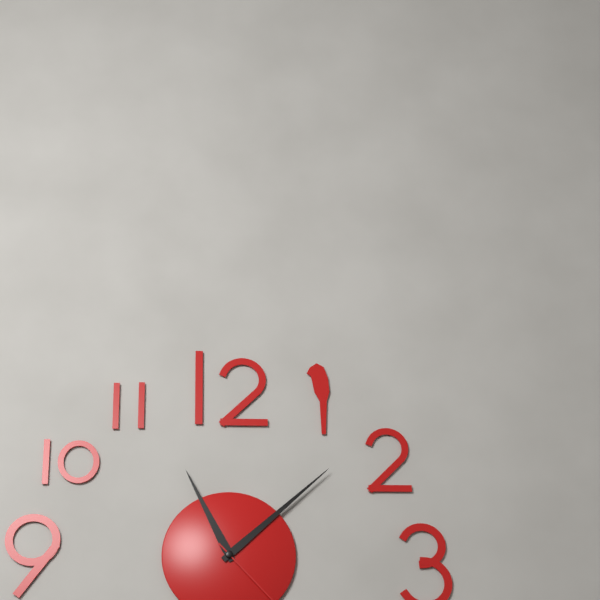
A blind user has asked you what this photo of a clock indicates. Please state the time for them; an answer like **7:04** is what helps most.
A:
**11:08**
